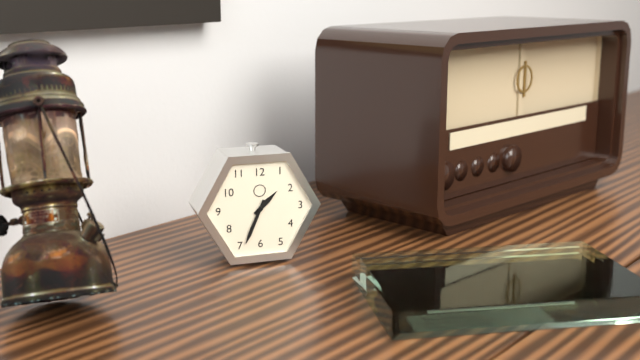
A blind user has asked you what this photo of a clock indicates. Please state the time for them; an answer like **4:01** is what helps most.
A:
**1:34**
